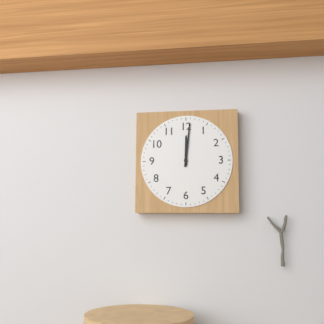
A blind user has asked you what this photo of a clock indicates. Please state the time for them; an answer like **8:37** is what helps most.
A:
**12:01**
